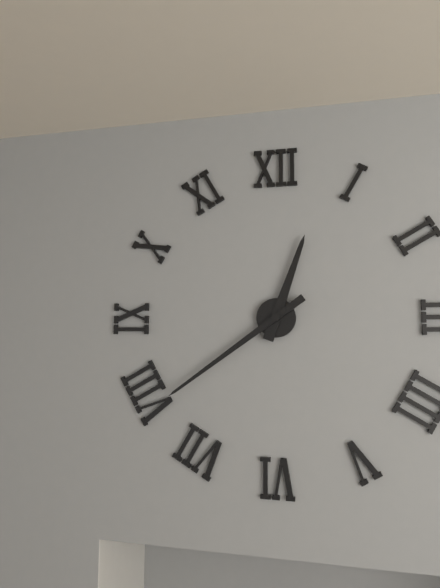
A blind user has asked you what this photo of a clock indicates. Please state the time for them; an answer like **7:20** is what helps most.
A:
**12:39**
